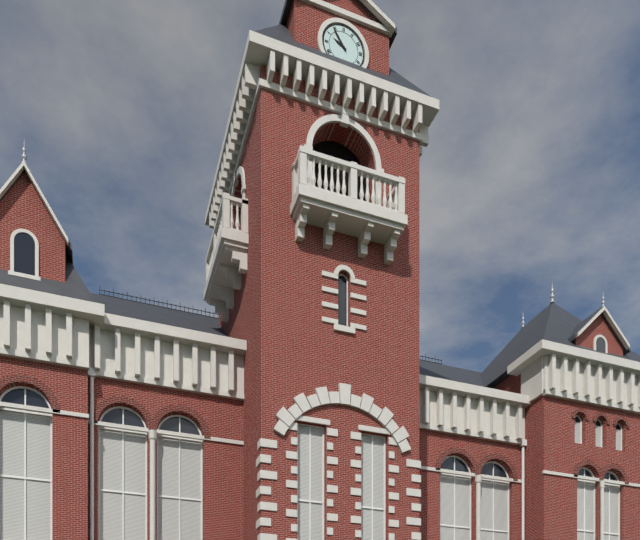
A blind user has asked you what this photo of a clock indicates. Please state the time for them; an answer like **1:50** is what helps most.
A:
**9:54**
